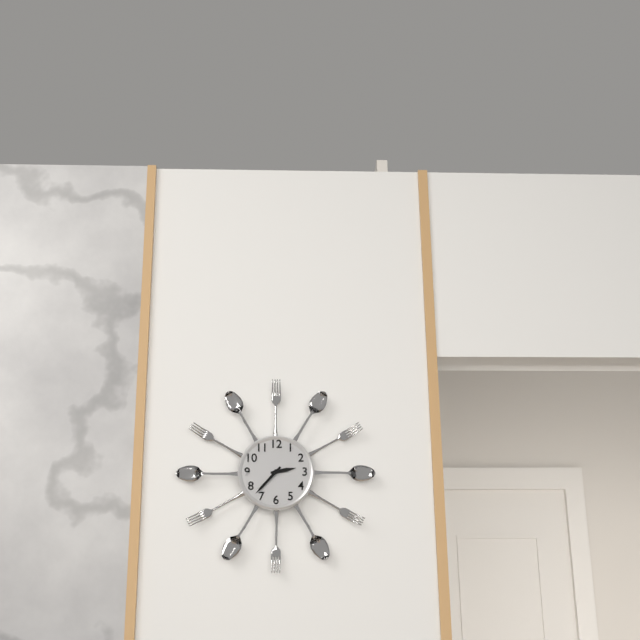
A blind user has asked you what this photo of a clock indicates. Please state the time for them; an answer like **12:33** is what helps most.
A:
**2:37**
